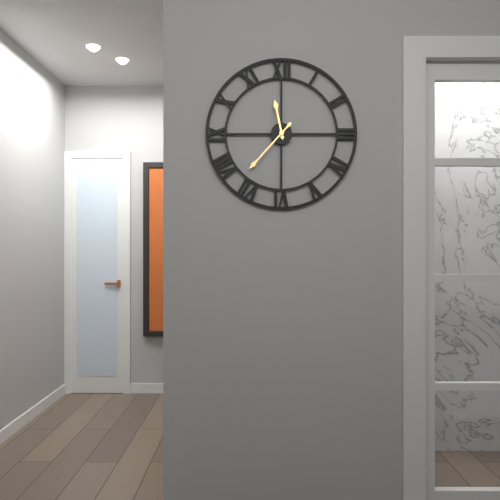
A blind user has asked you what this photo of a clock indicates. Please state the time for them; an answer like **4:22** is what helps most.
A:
**11:37**
